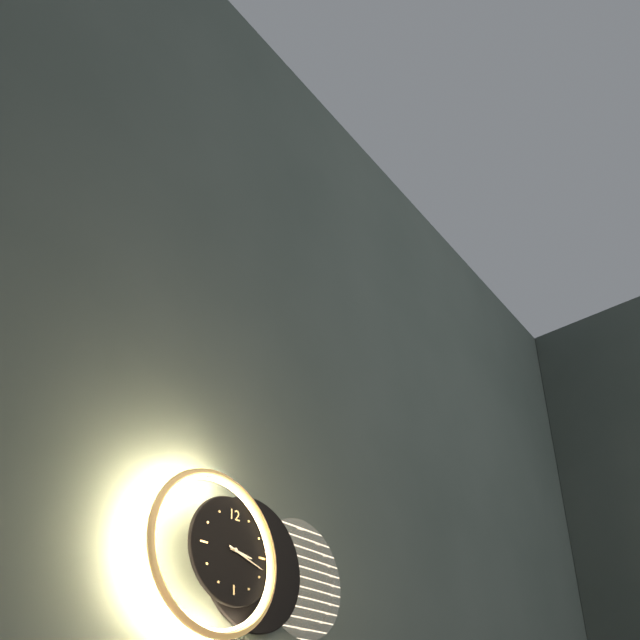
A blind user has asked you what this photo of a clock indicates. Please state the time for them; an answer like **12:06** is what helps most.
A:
**3:18**
